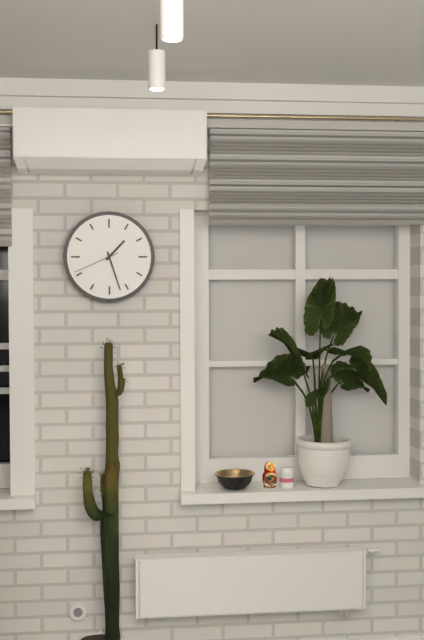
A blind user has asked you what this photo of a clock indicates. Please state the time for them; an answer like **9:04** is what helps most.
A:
**1:27**
